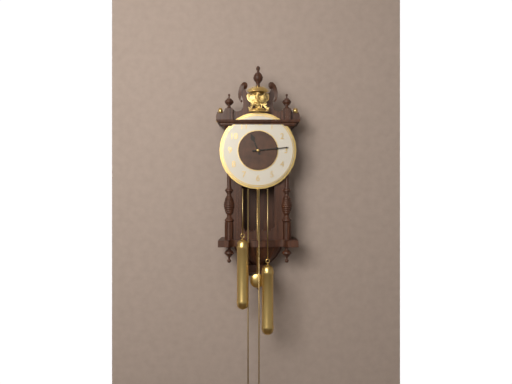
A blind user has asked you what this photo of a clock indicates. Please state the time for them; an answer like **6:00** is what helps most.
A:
**11:14**
